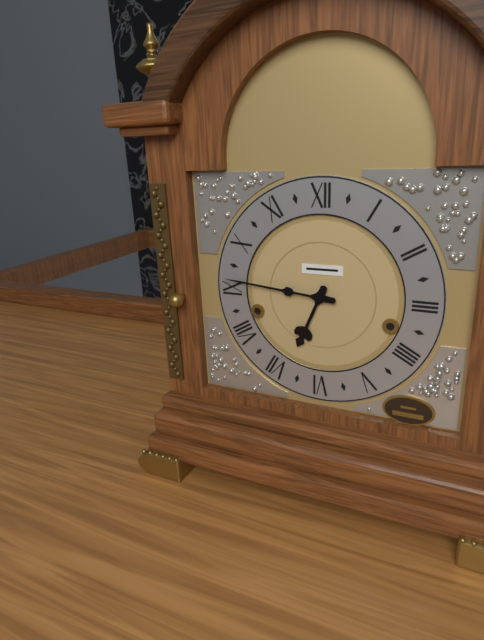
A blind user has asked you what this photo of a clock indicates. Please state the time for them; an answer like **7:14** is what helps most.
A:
**6:46**
